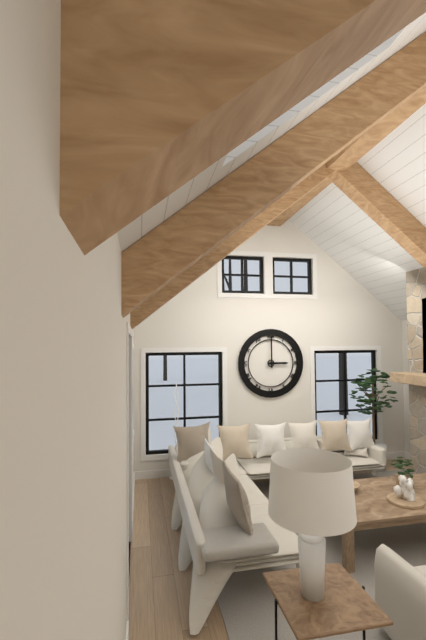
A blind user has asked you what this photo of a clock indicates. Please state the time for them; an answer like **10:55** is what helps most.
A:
**3:00**
